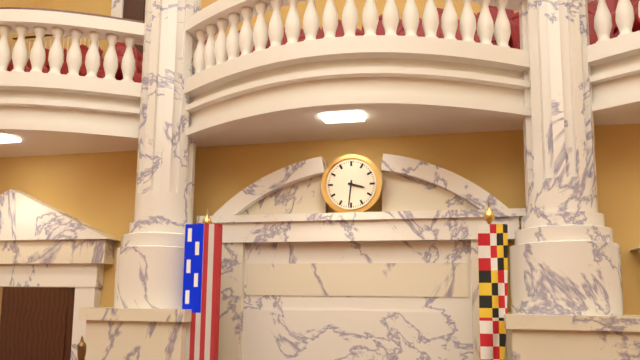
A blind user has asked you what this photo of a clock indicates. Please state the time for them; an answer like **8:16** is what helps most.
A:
**3:31**
